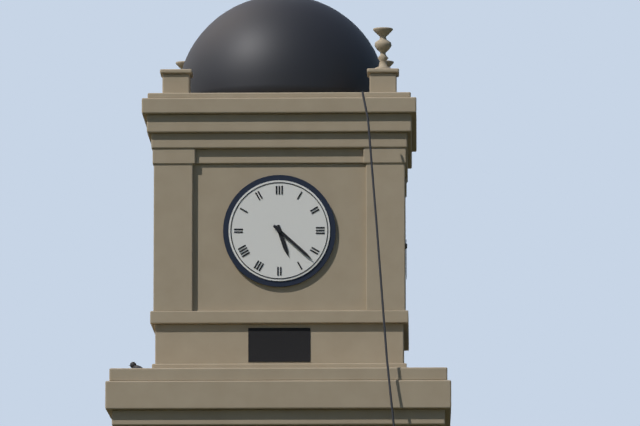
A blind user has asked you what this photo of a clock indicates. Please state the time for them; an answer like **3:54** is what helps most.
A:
**5:22**
